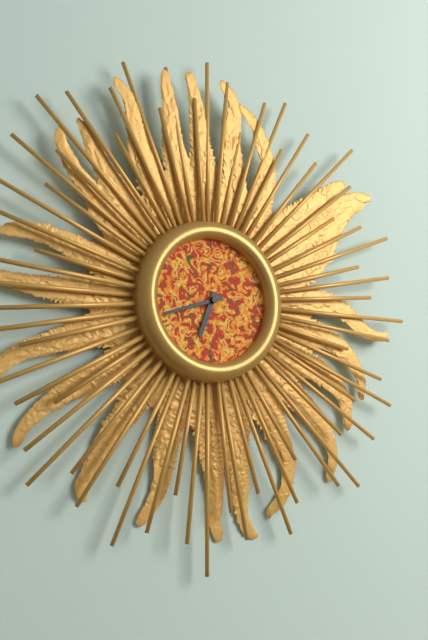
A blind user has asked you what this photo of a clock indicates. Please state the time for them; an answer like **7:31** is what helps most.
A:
**6:42**
